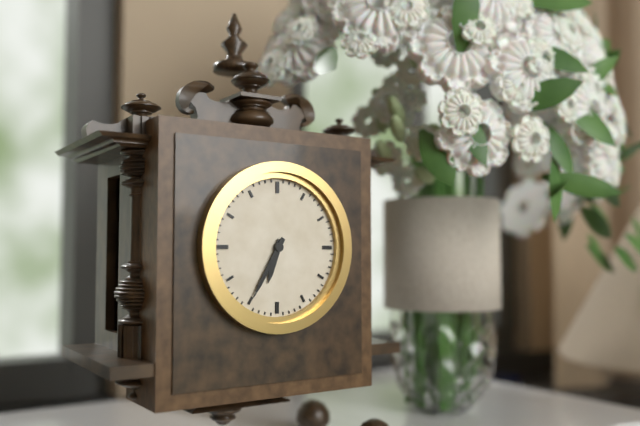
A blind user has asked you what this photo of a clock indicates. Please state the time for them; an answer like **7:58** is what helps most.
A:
**6:35**
